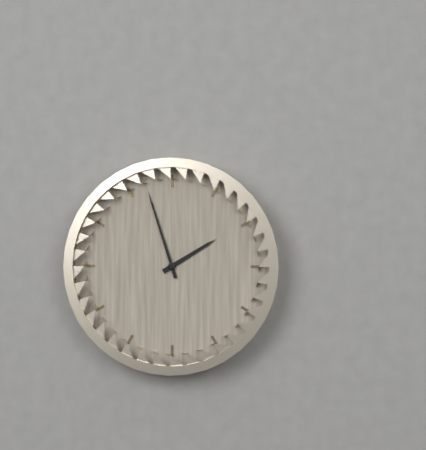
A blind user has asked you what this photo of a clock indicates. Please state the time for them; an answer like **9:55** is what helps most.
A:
**1:57**
